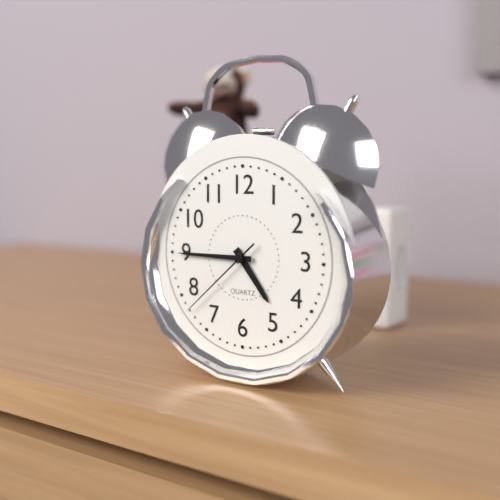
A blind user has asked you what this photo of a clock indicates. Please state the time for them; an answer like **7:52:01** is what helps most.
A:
**4:45:38**
